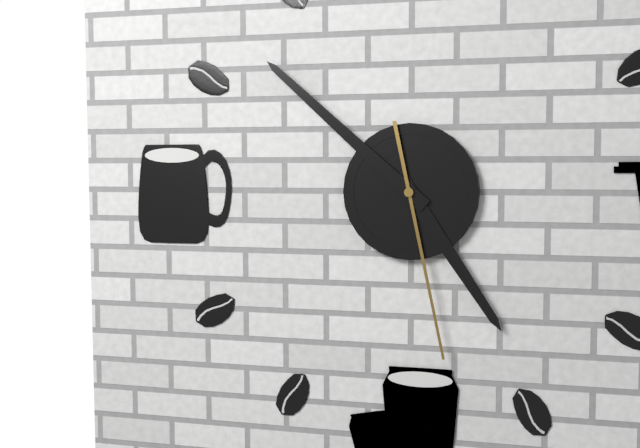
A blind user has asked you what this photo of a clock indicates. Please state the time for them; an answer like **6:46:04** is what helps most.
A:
**4:52:28**
